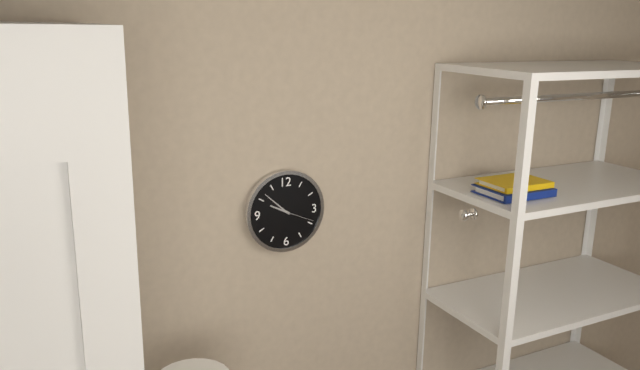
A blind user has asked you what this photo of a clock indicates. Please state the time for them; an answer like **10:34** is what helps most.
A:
**9:52**
